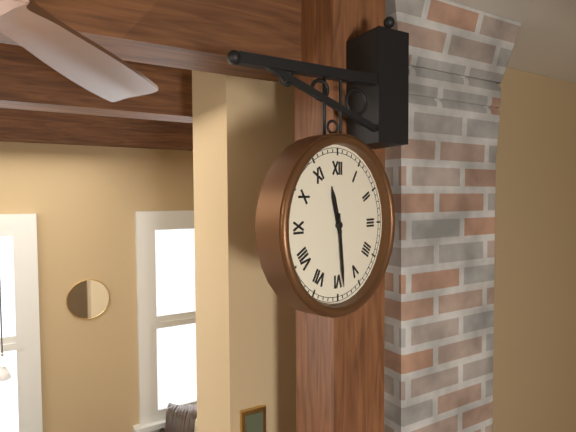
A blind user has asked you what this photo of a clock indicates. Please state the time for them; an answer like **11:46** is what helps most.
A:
**11:29**
